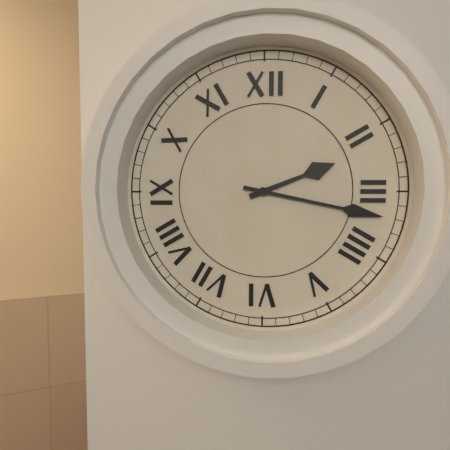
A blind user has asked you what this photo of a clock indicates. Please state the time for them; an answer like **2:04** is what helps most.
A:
**2:17**
